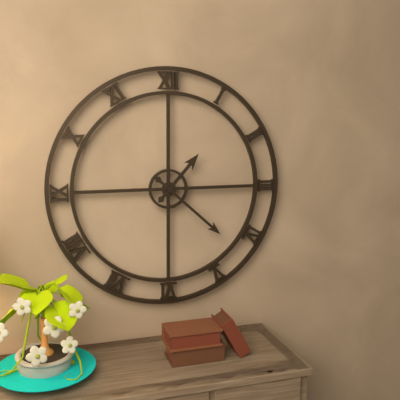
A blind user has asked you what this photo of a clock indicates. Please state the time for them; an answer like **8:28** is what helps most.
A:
**1:22**
